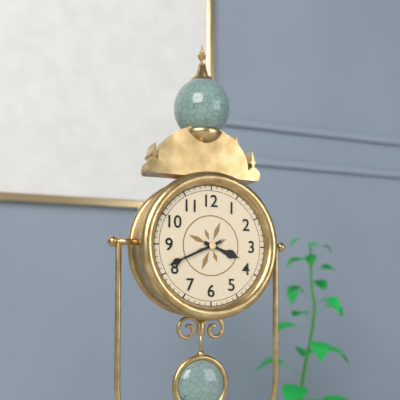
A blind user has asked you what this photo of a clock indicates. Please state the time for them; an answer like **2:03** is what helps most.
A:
**3:41**
